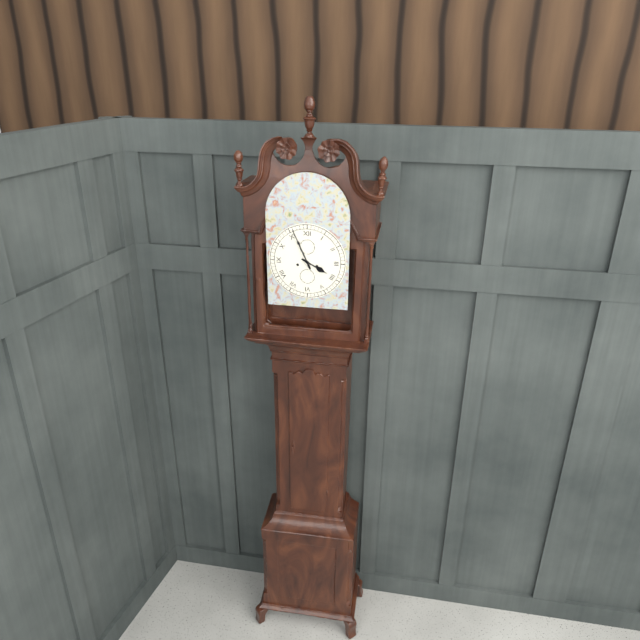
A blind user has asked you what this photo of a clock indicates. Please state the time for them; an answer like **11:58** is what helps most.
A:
**3:56**
